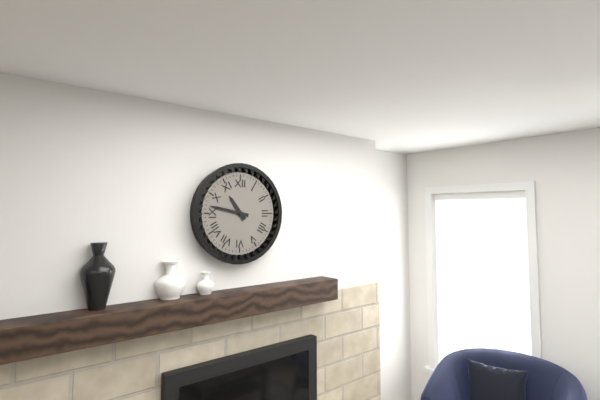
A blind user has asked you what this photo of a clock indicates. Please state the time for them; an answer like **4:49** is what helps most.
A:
**10:47**
